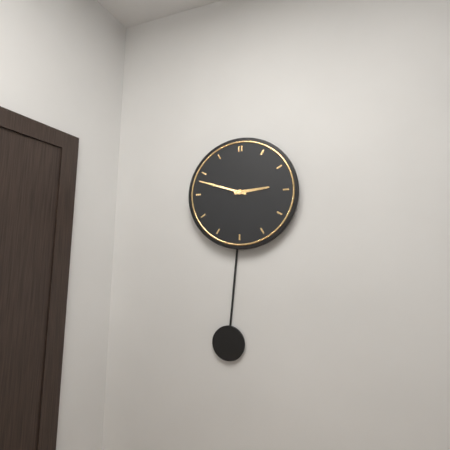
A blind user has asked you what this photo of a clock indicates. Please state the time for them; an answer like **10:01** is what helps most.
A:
**2:48**
